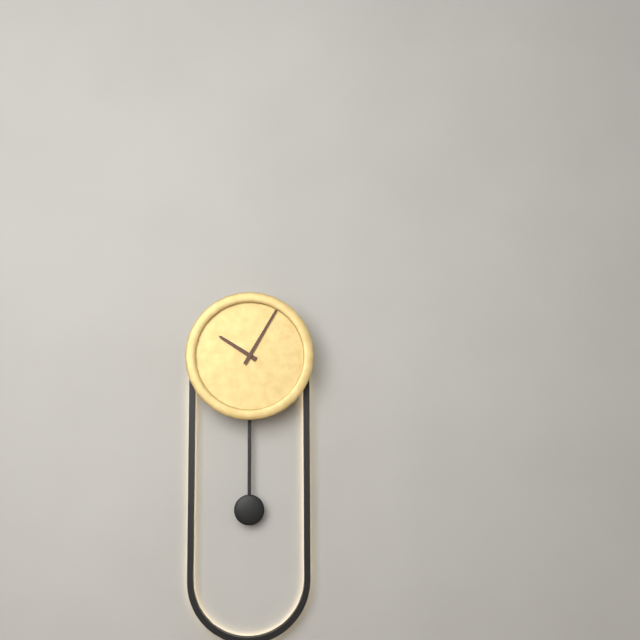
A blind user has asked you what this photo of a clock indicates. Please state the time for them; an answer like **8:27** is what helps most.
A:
**10:05**
